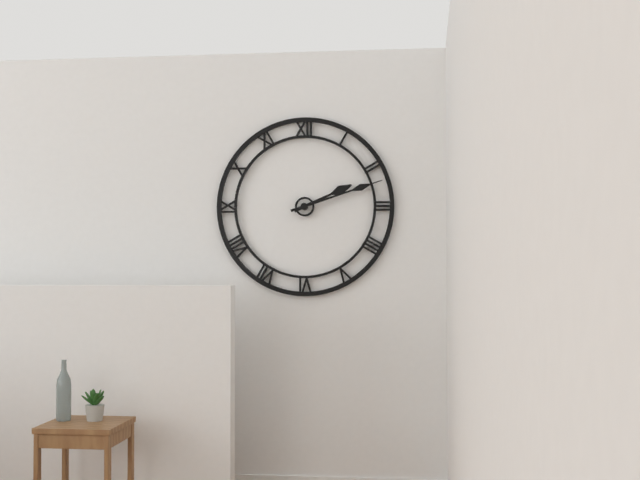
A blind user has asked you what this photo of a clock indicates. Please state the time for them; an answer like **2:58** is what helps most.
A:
**2:12**
